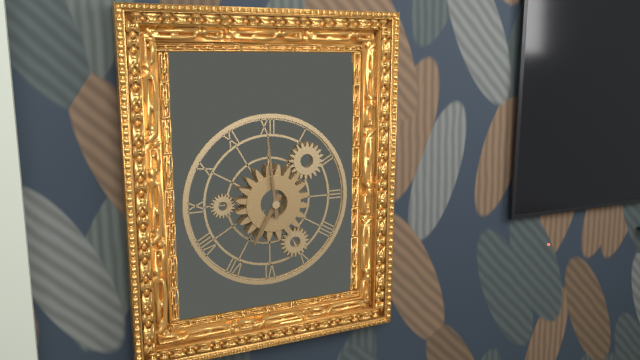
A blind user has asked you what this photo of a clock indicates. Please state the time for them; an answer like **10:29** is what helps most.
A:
**6:59**
